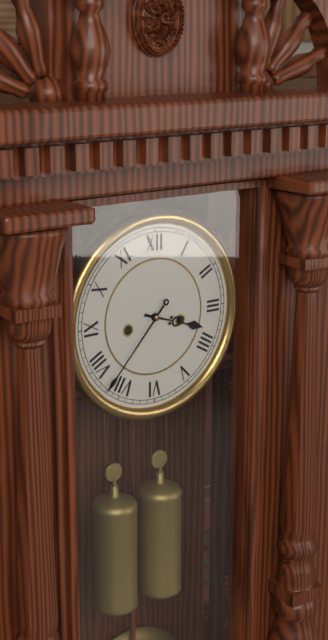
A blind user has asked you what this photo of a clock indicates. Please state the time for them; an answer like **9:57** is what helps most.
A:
**3:37**
